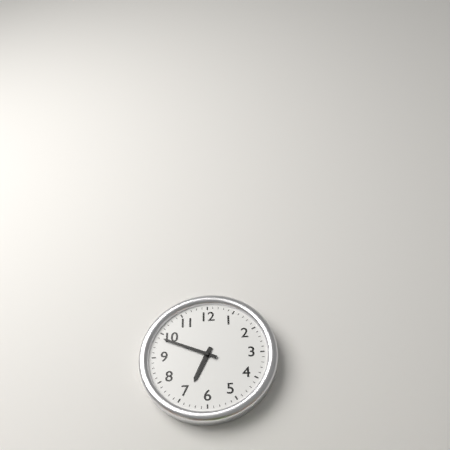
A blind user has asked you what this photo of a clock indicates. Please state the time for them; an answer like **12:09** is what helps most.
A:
**6:49**
